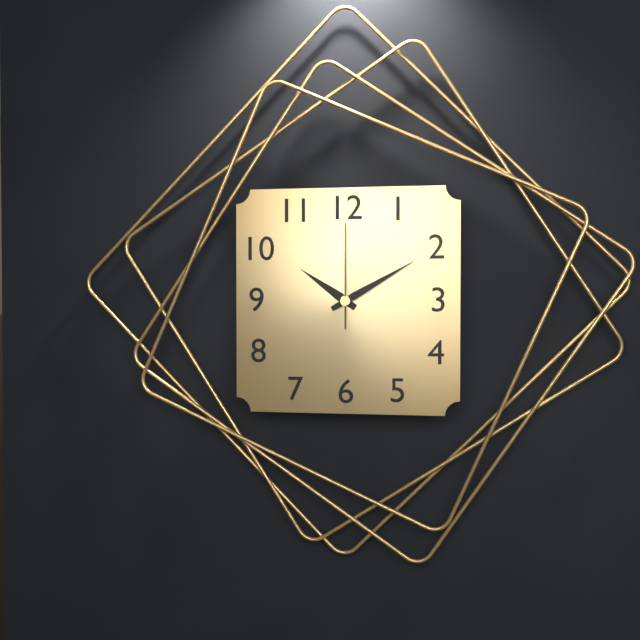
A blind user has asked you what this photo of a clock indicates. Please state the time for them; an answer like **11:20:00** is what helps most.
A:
**10:10:00**
